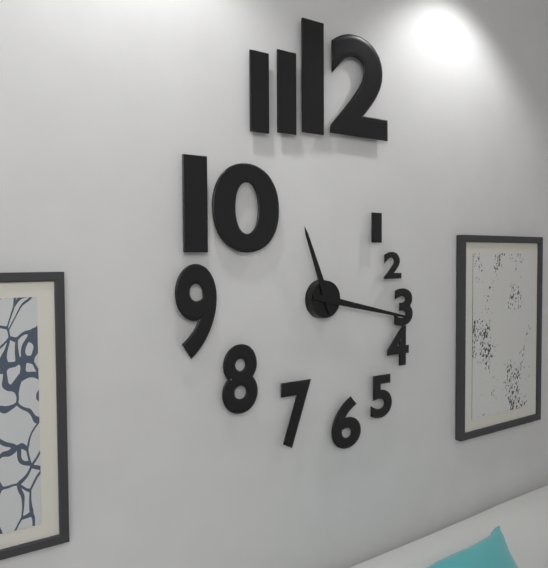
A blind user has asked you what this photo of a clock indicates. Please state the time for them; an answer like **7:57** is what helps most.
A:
**11:17**
